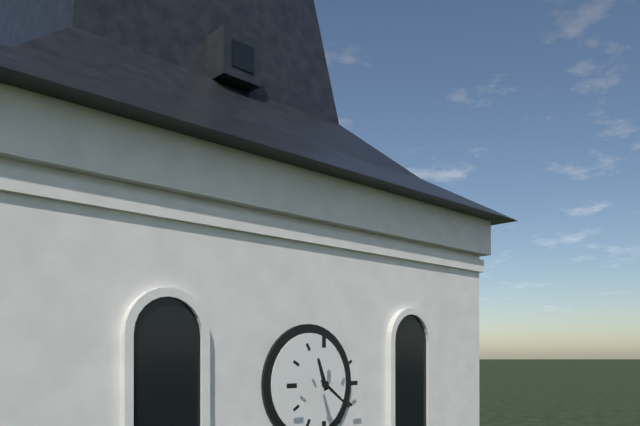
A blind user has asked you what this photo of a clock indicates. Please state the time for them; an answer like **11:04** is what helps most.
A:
**11:21**
